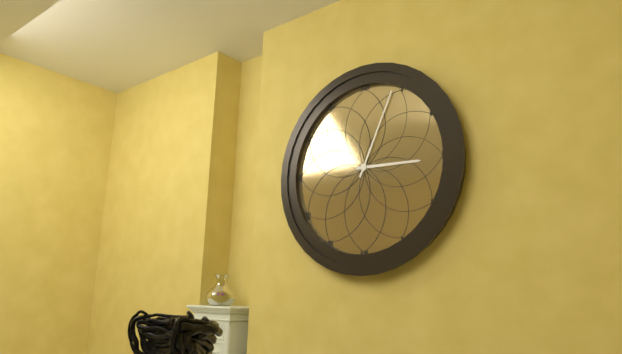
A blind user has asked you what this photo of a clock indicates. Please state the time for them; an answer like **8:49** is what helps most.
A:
**3:04**
